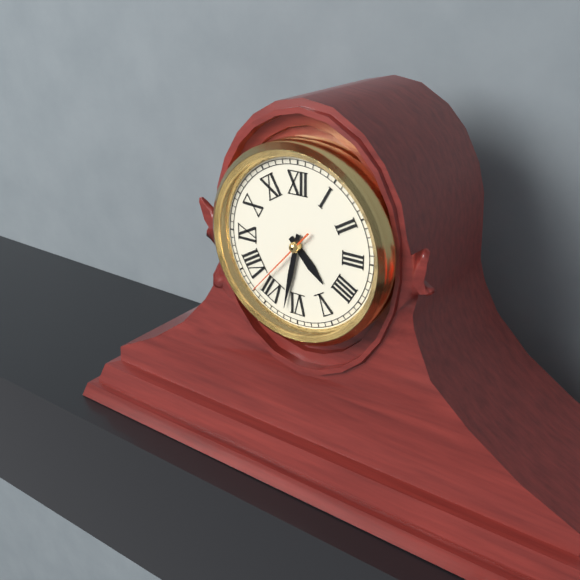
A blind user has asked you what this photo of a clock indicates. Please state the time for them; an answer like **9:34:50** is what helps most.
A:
**4:32:37**
